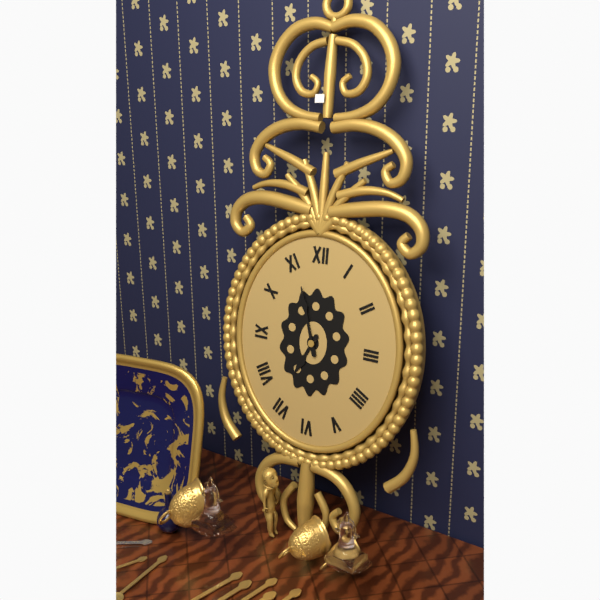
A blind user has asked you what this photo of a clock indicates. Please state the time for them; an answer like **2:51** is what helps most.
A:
**6:57**
